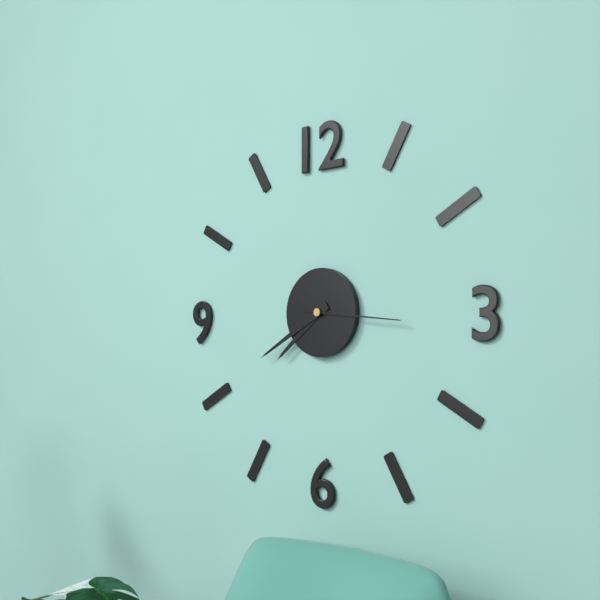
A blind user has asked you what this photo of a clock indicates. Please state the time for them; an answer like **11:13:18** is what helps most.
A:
**7:40:16**
